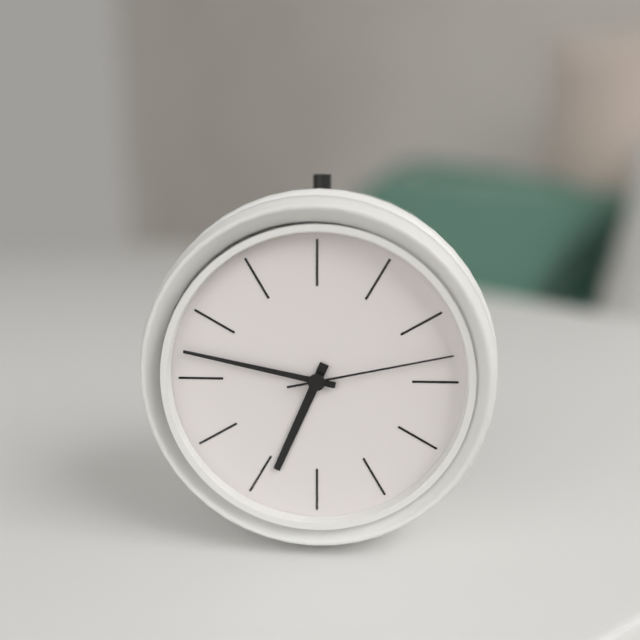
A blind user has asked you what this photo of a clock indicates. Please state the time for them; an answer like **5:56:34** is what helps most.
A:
**6:47:13**
